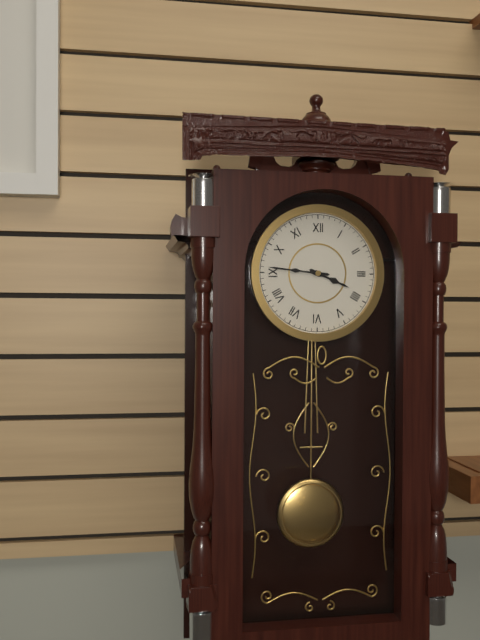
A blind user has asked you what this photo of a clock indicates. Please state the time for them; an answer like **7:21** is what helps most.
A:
**3:46**
